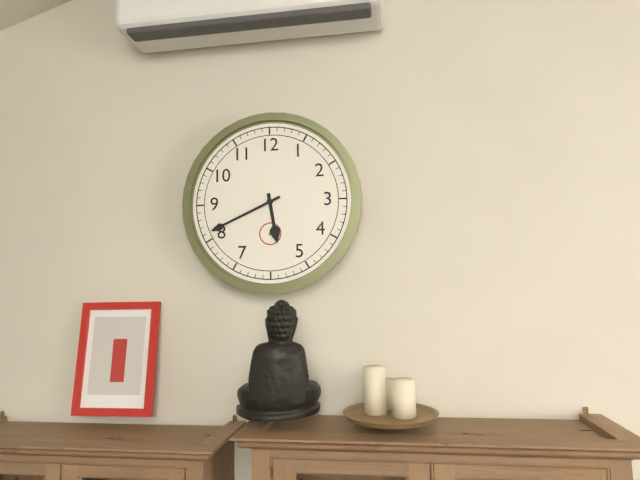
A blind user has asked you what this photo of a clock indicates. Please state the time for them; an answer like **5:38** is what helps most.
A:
**5:41**
